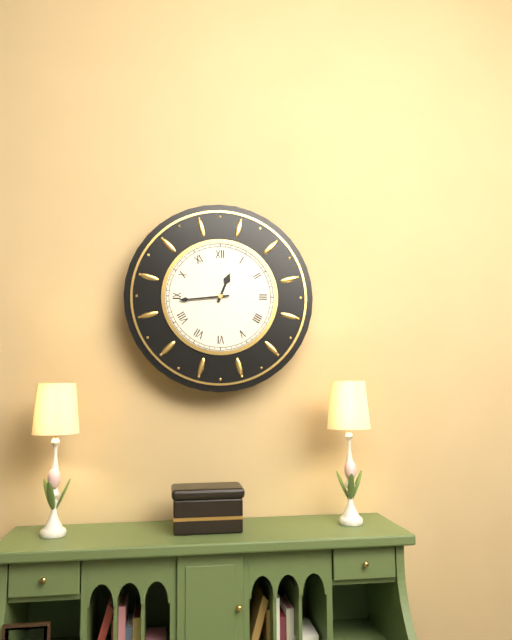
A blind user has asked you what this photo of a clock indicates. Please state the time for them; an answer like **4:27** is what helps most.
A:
**12:44**
